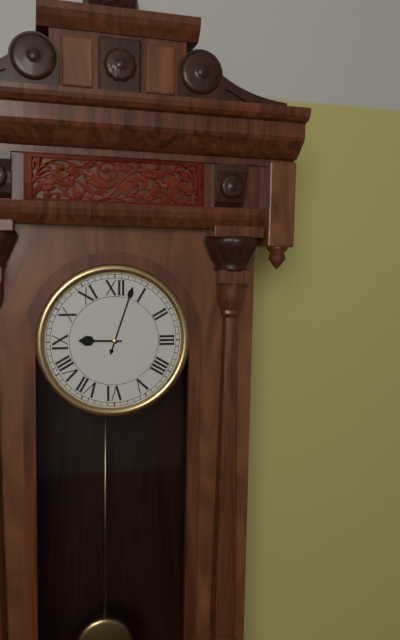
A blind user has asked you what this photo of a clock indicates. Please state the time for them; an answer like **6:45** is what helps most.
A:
**9:03**
